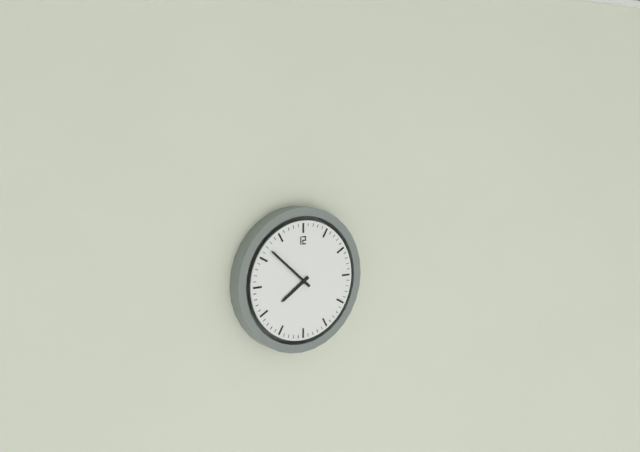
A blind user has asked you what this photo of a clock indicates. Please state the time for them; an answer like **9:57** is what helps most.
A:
**7:52**
